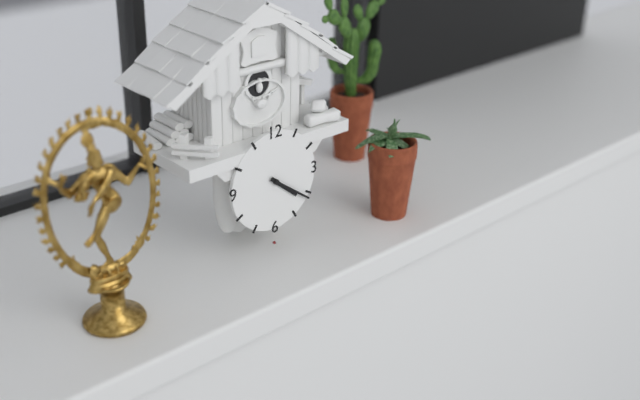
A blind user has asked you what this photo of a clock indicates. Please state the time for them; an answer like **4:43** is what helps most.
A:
**4:21**
